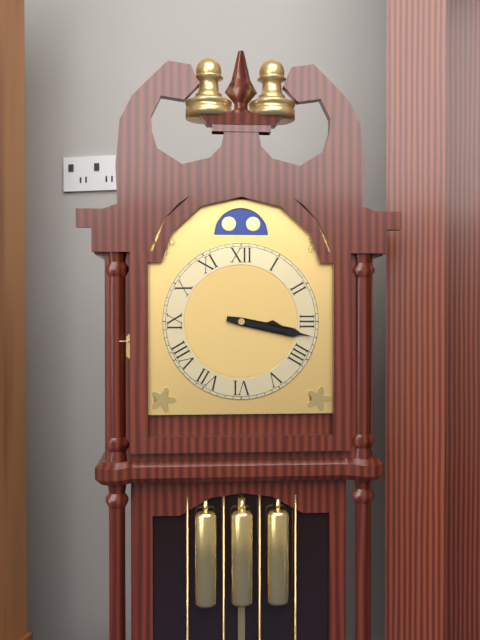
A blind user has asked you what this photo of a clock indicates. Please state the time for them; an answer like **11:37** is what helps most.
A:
**3:17**
